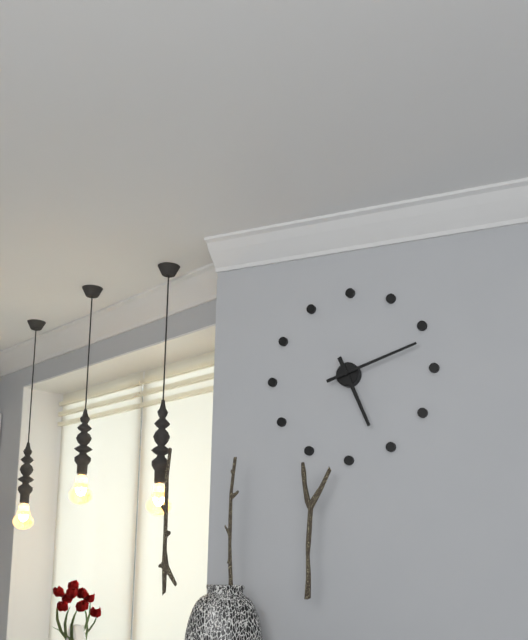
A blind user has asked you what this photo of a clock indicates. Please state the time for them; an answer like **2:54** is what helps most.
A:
**5:12**
